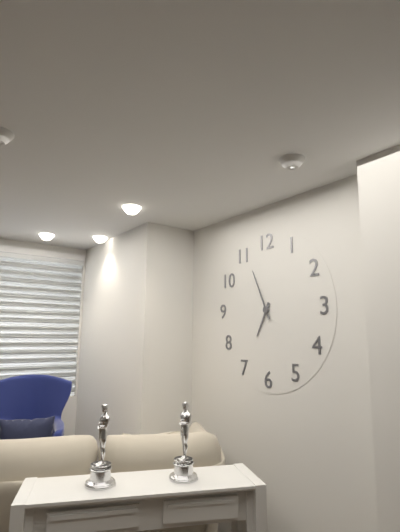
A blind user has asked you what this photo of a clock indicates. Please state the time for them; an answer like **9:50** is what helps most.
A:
**6:56**
